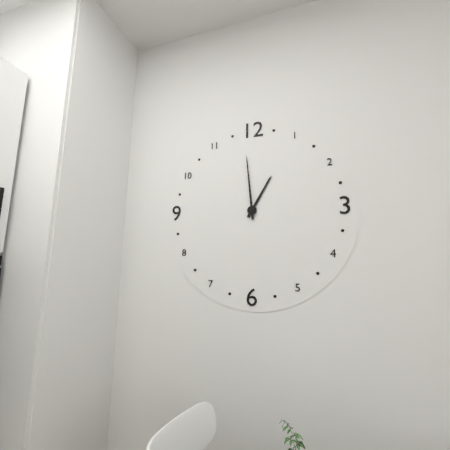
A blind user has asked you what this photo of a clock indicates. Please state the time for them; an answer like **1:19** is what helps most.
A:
**12:59**
